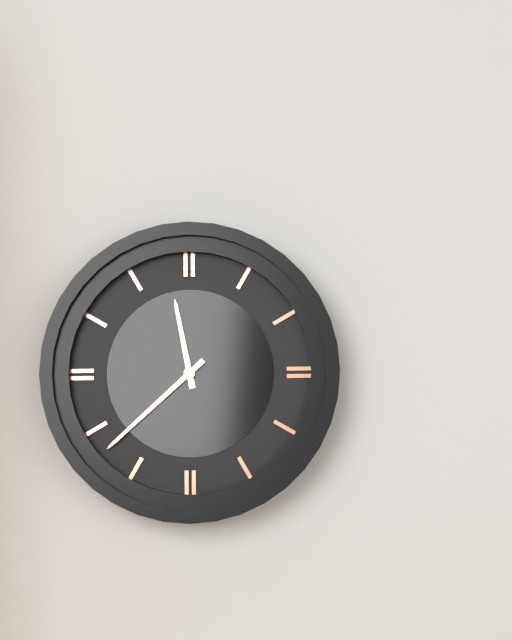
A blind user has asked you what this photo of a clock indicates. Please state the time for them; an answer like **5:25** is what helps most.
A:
**11:38**
